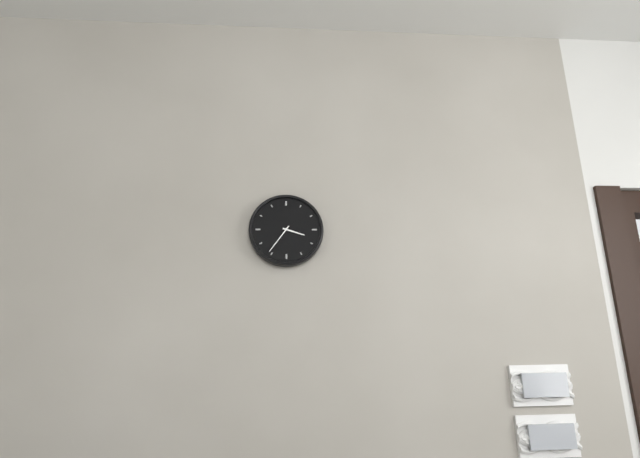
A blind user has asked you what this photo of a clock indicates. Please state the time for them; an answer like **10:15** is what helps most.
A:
**3:36**
